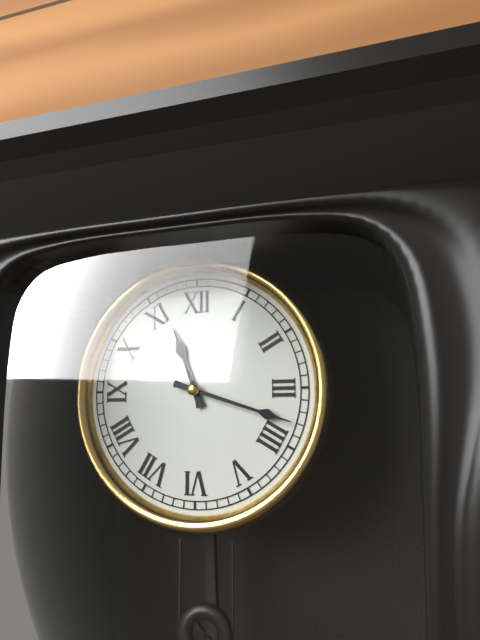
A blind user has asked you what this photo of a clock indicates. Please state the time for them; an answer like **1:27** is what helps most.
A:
**11:18**
